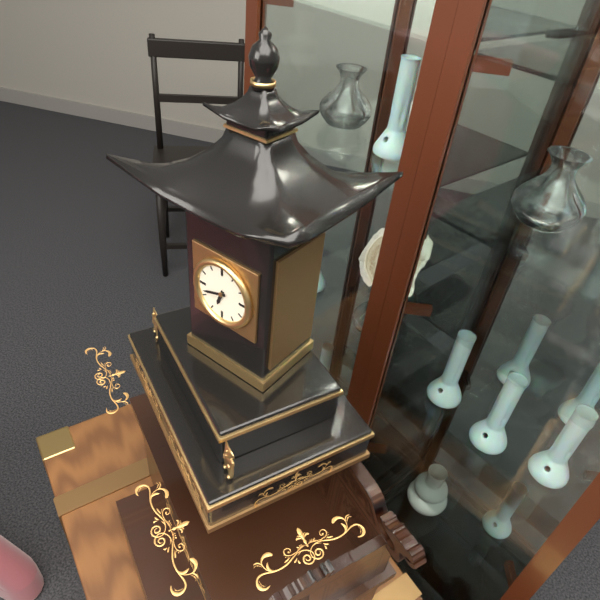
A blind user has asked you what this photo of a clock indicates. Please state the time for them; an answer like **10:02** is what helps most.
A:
**6:42**
